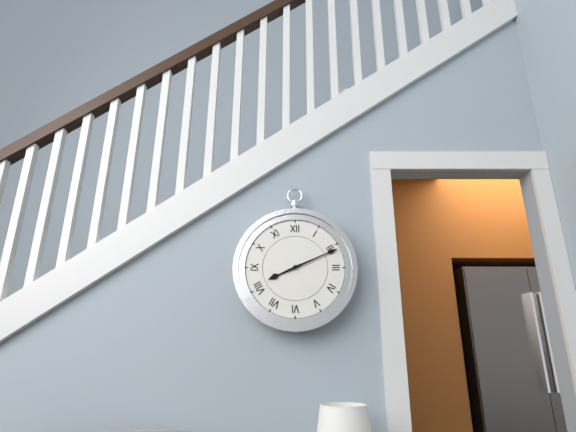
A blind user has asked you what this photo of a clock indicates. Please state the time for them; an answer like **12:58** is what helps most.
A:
**8:11**
